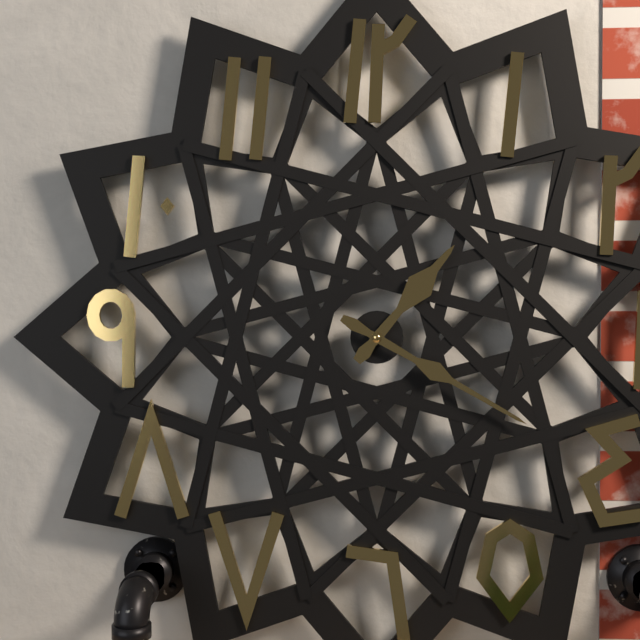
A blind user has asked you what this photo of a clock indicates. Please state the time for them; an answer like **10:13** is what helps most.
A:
**1:20**
